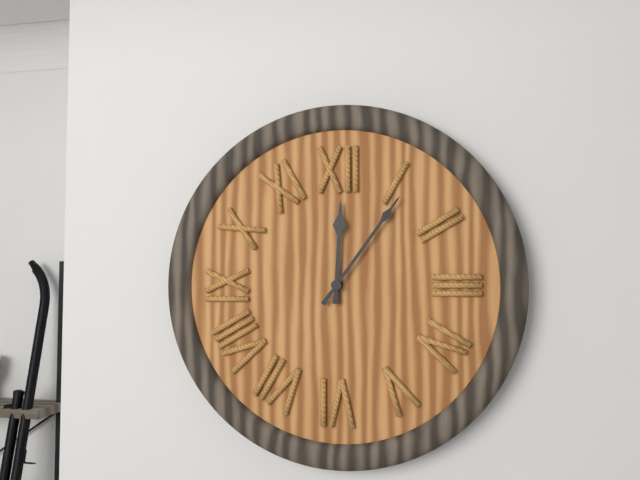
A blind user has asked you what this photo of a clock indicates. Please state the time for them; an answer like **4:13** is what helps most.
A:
**12:06**
